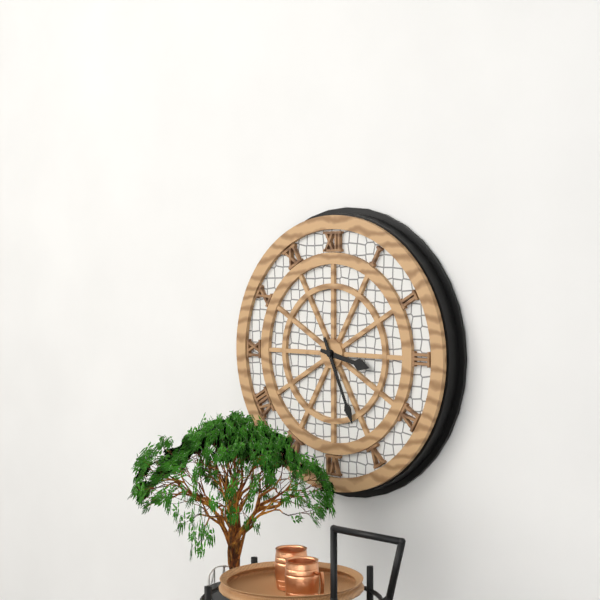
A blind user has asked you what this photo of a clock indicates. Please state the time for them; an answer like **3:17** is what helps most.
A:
**3:26**
